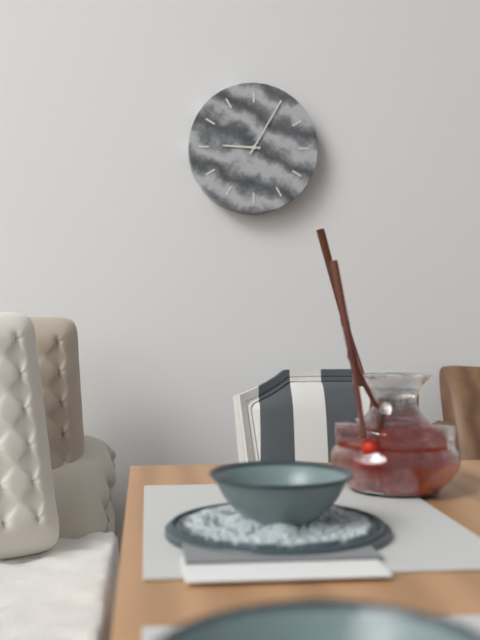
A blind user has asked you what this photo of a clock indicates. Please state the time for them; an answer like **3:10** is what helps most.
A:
**9:05**
